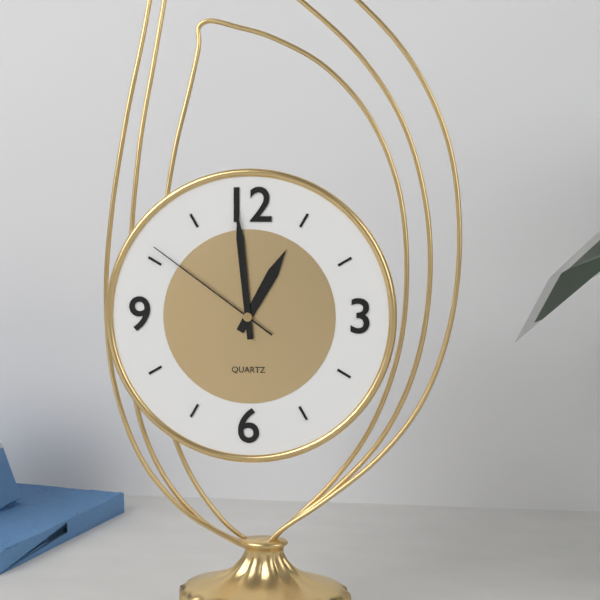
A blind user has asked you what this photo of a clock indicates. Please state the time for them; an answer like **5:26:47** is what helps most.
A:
**12:59:51**
